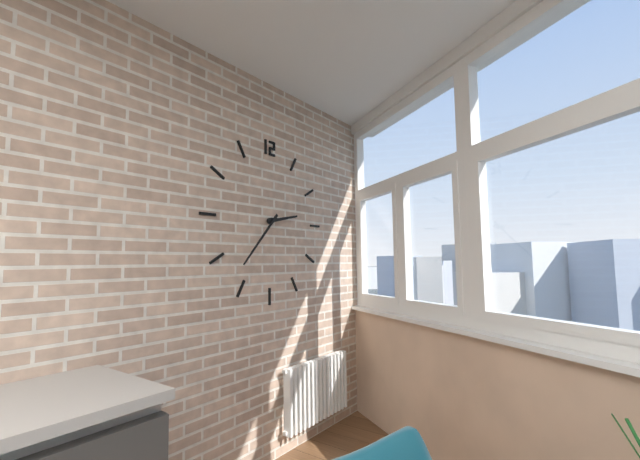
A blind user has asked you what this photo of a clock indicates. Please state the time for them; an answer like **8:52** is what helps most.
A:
**2:37**
